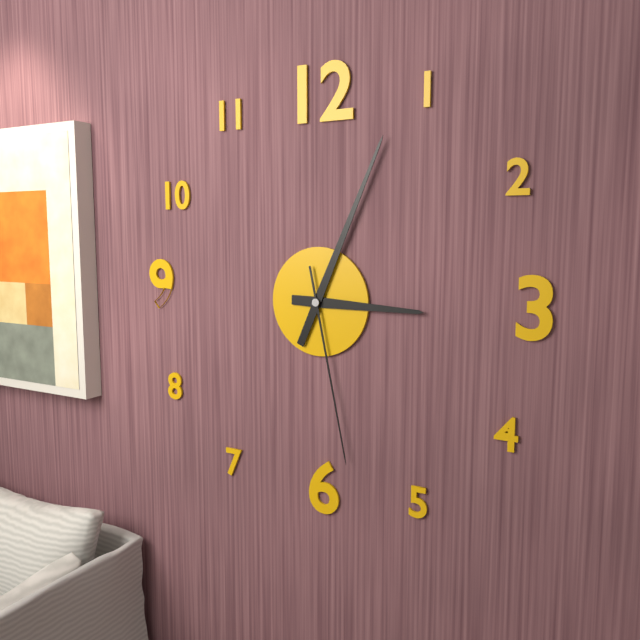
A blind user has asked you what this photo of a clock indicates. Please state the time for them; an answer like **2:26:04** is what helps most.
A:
**3:04:28**
